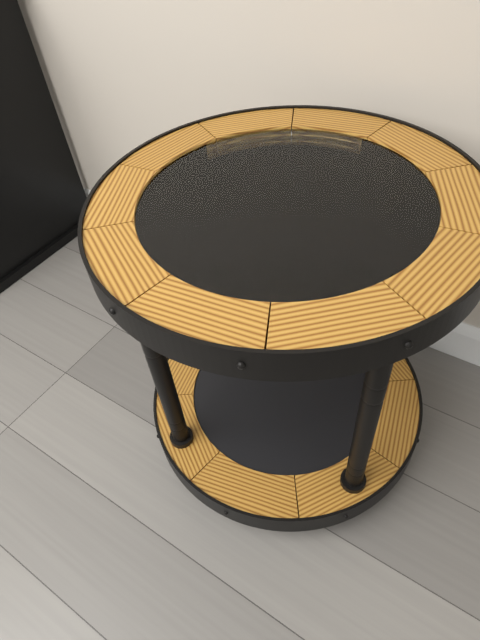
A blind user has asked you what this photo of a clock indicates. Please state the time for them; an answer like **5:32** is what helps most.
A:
**12:11**
